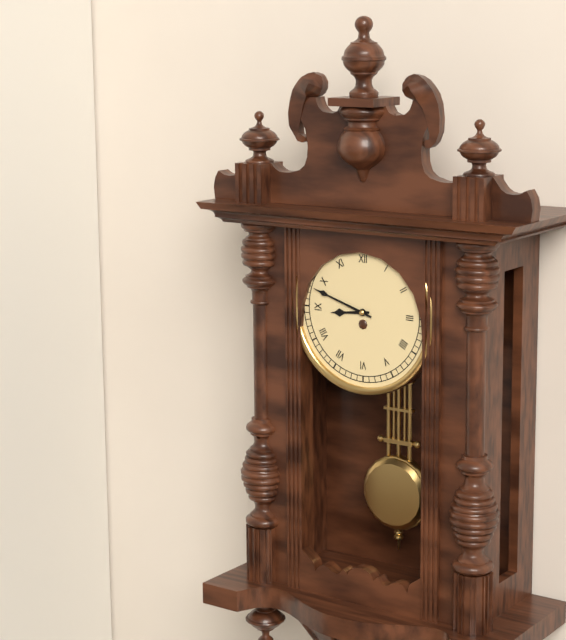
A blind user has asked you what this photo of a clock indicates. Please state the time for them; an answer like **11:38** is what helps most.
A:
**8:48**
